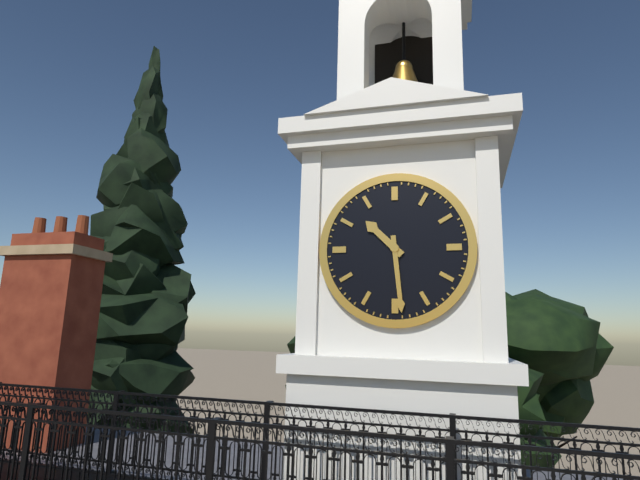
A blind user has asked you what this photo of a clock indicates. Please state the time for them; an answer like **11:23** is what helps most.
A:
**10:29**
